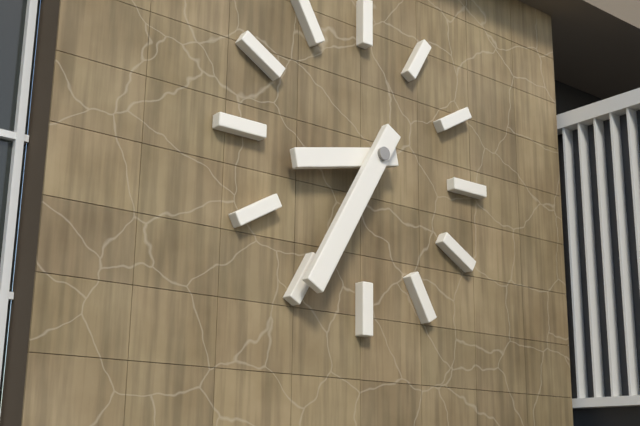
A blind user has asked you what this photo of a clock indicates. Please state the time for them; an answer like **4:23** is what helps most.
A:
**8:35**
